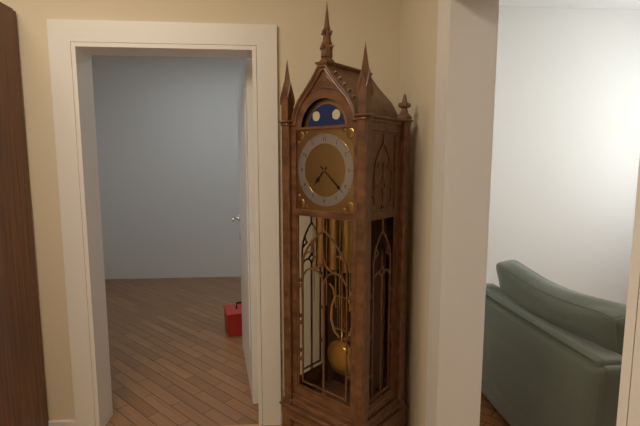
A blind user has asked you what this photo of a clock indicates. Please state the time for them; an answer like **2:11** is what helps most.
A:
**7:22**
